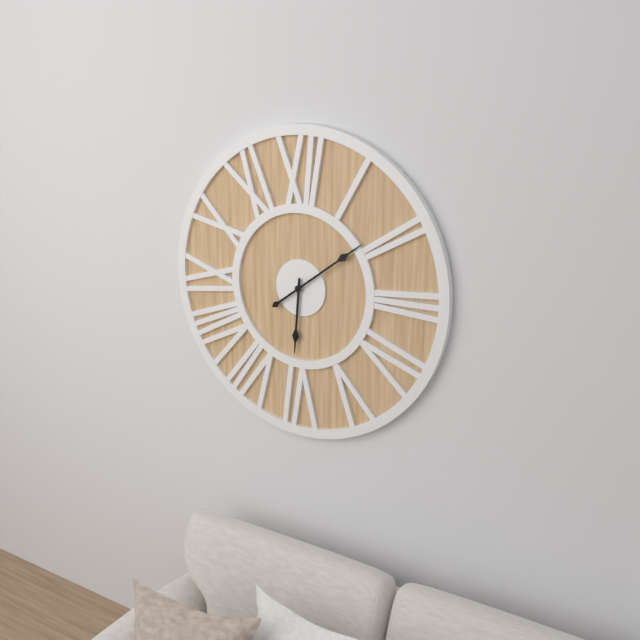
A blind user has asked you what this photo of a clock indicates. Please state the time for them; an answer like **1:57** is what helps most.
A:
**6:09**
